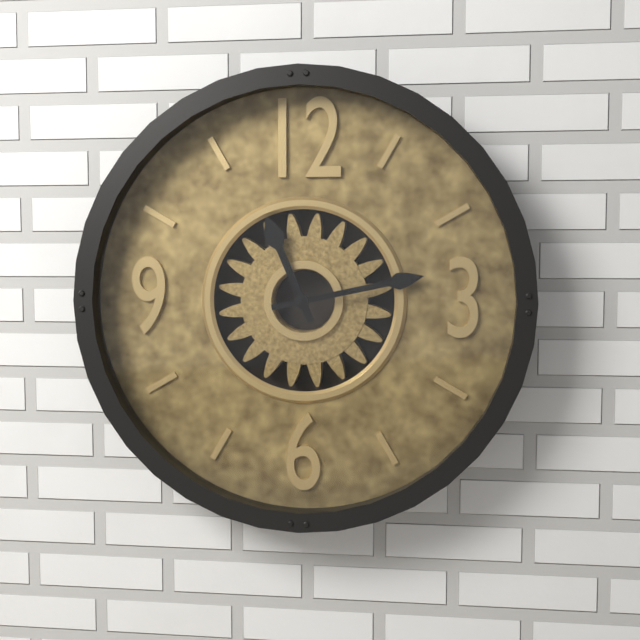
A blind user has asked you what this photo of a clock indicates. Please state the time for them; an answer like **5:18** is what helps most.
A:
**11:13**
